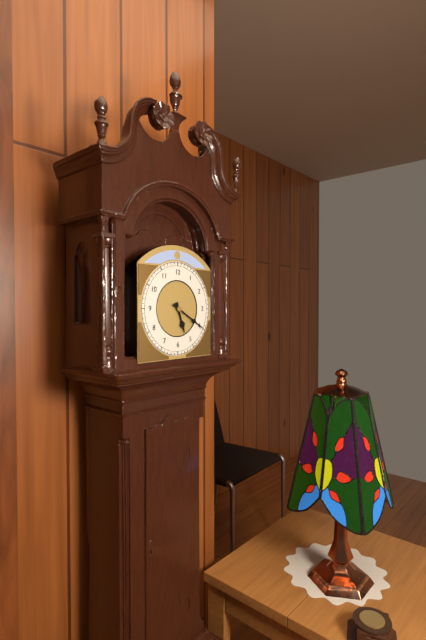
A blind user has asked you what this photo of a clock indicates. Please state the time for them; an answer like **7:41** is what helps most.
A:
**5:20**
